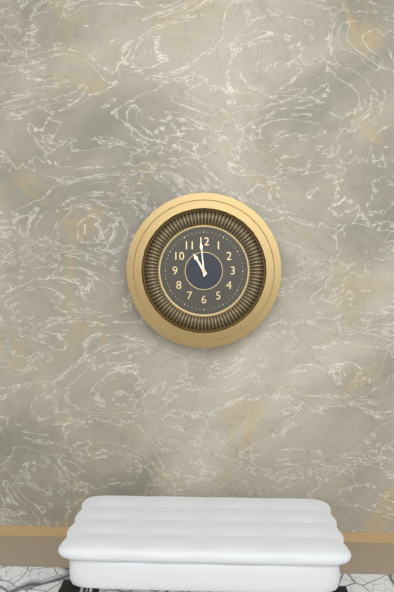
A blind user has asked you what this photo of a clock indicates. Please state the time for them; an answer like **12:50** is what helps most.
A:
**10:59**
